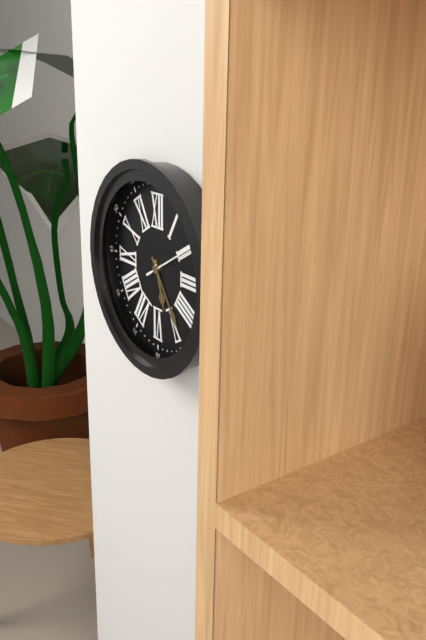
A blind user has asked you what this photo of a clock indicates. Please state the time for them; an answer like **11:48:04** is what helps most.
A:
**5:24:10**
